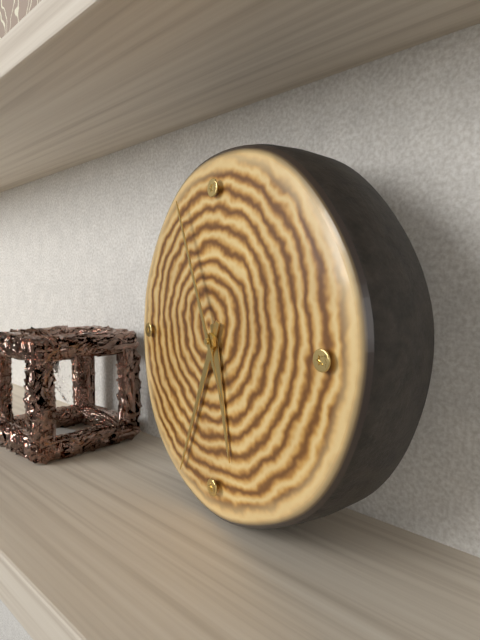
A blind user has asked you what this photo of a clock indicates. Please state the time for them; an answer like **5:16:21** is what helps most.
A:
**5:34:56**
